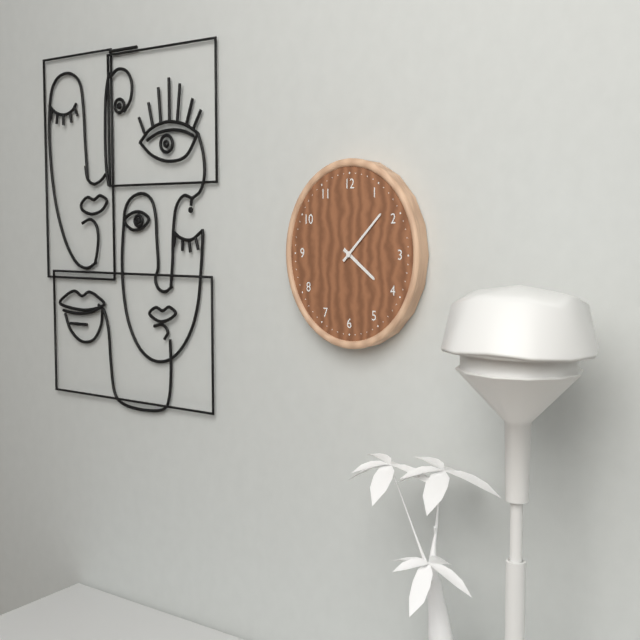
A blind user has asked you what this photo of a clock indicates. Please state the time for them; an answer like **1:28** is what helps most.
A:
**4:08**
